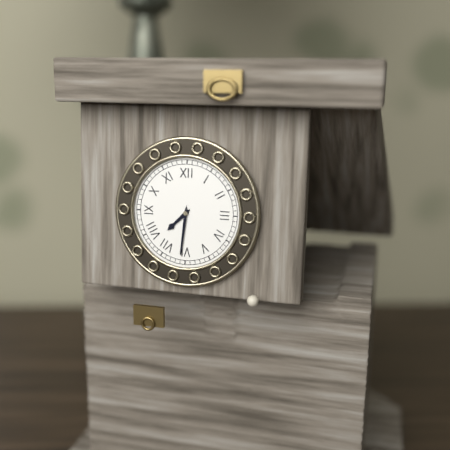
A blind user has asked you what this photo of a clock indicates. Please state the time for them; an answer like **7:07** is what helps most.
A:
**7:31**
